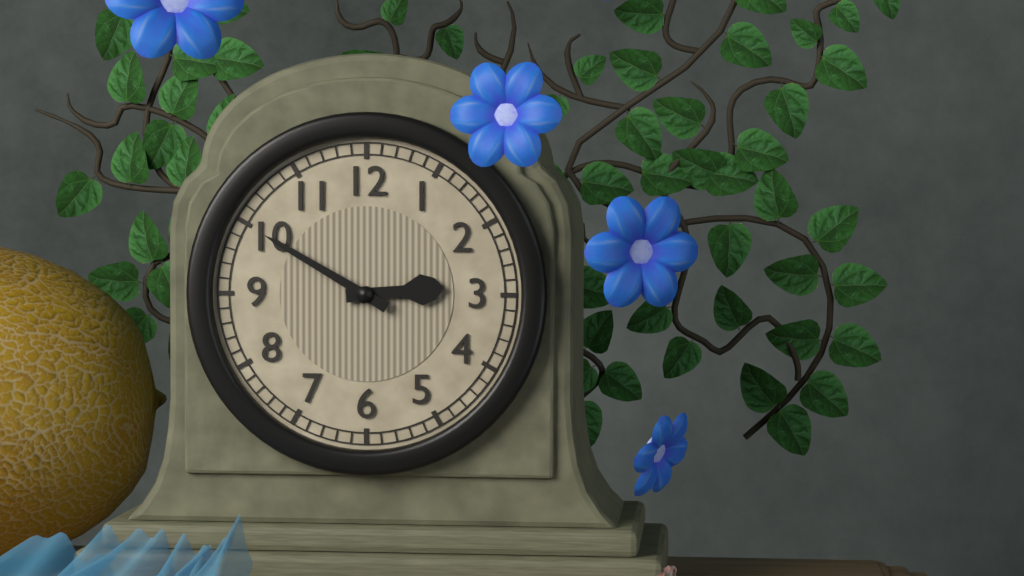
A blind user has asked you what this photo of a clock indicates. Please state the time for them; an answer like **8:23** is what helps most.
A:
**2:50**
